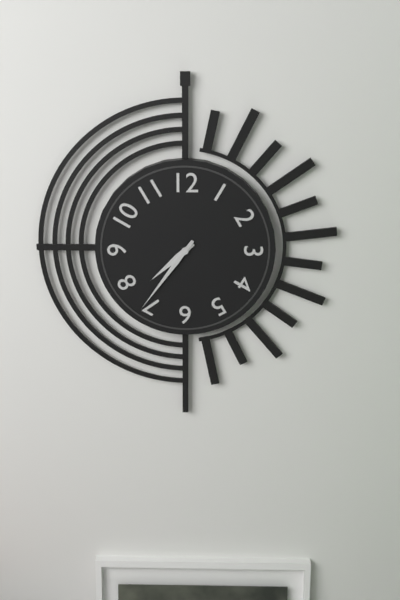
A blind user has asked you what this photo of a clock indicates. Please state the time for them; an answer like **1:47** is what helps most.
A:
**7:36**
